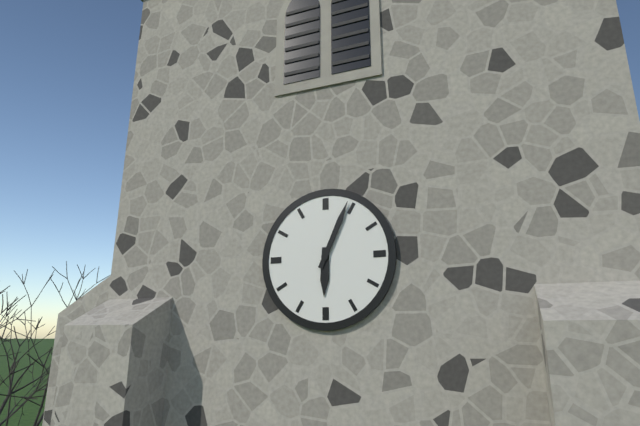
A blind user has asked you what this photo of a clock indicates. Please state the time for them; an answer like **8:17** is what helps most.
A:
**6:04**
